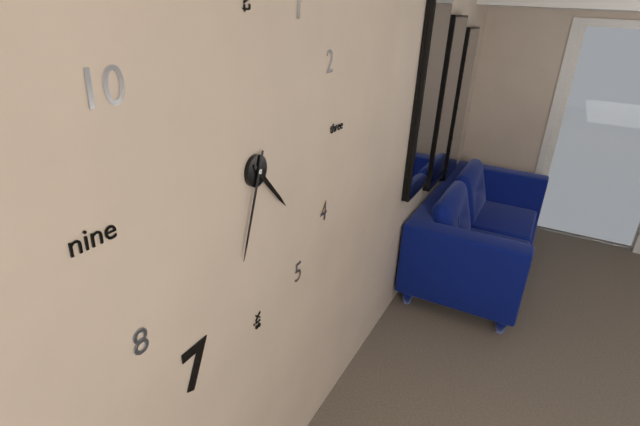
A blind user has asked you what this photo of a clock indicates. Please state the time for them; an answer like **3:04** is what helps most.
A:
**4:33**
